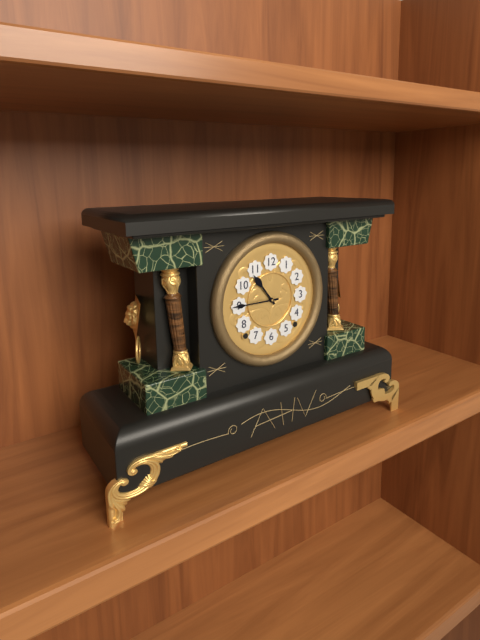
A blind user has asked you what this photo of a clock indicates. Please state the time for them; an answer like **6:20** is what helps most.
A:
**10:45**
